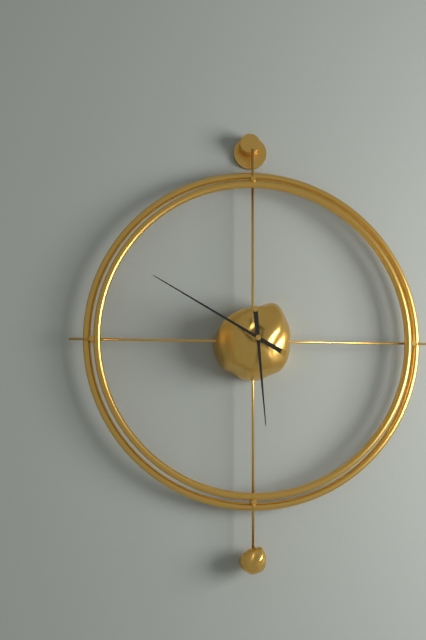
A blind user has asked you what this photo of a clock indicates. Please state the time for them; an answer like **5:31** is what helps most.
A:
**5:50**
